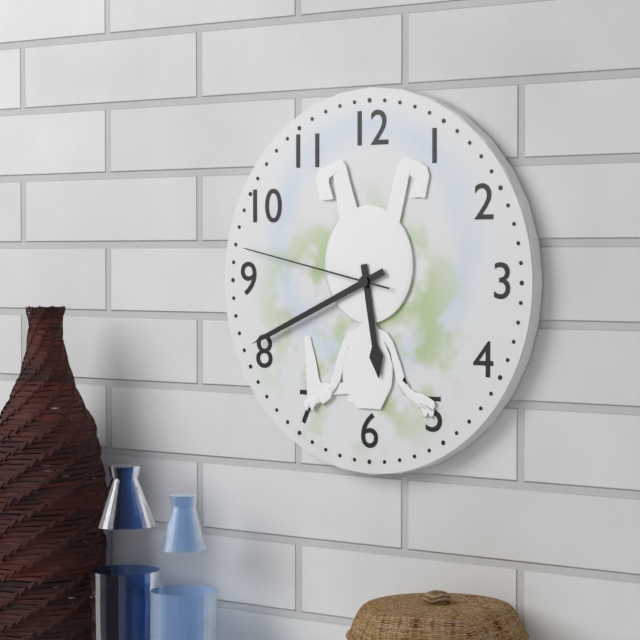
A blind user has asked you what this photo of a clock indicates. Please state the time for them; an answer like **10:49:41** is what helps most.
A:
**5:41:47**
